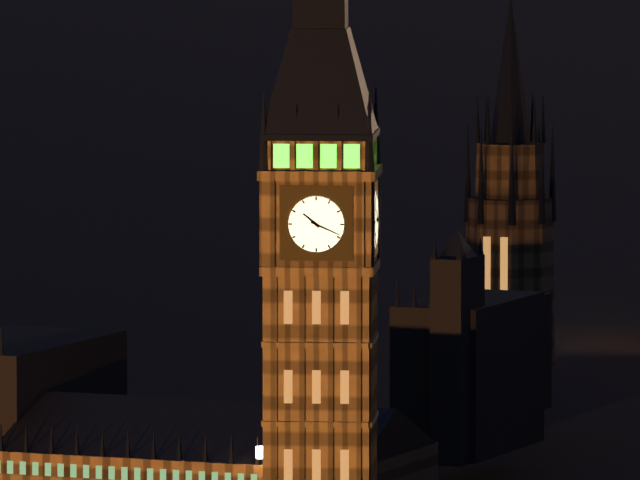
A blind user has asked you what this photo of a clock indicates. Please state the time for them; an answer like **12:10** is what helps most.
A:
**10:19**
